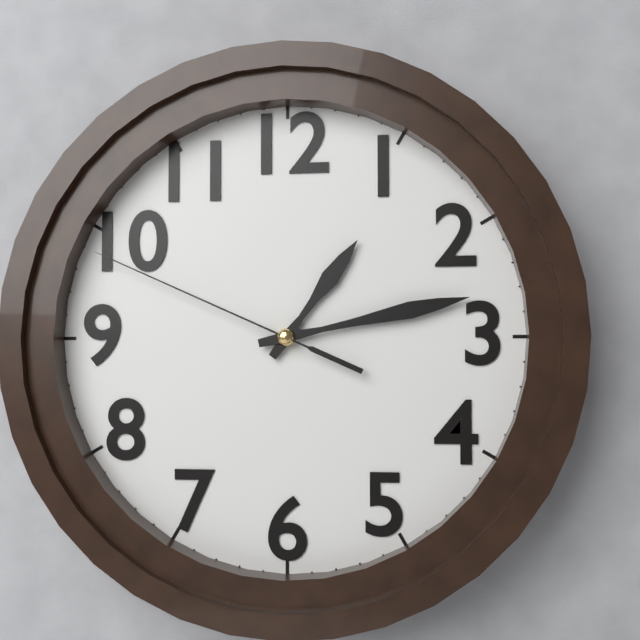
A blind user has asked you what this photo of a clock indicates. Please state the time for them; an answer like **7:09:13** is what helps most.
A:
**1:13:49**
